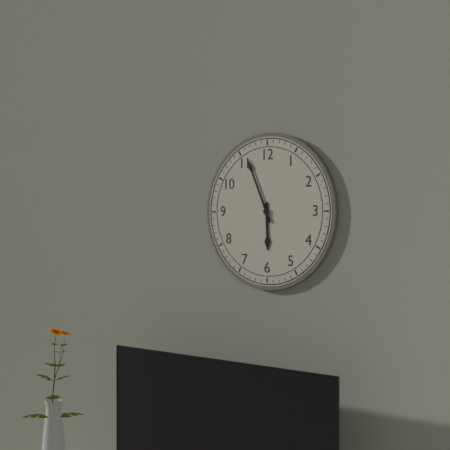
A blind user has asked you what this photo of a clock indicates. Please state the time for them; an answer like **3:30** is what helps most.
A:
**5:56**
